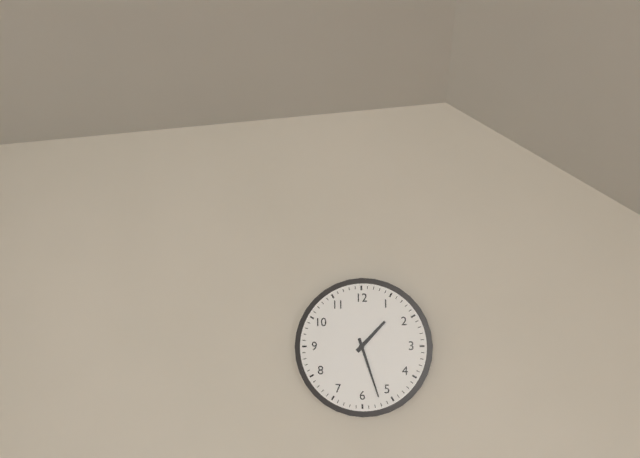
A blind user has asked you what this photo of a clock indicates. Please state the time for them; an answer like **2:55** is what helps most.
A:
**1:27**
